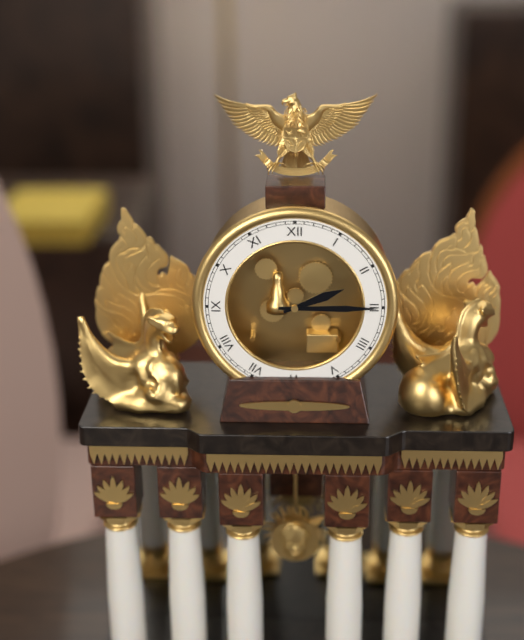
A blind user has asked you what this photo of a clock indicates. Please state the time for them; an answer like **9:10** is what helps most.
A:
**2:15**
